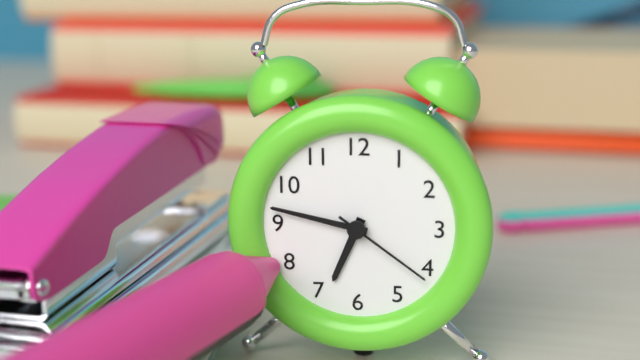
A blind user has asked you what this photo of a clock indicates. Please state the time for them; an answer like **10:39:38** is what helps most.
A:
**6:47:21**
